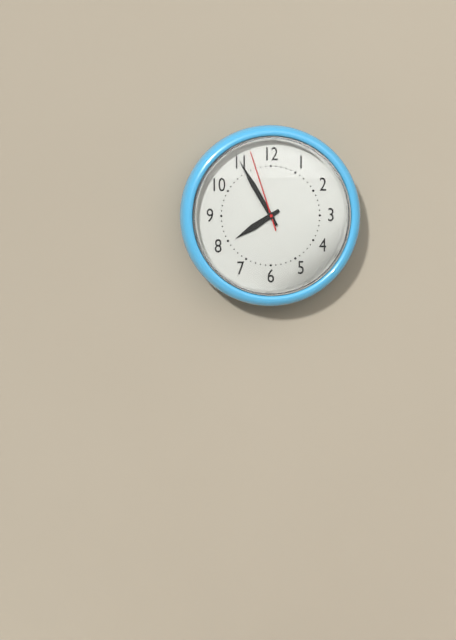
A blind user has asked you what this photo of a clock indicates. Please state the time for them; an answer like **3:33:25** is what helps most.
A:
**7:55:57**
